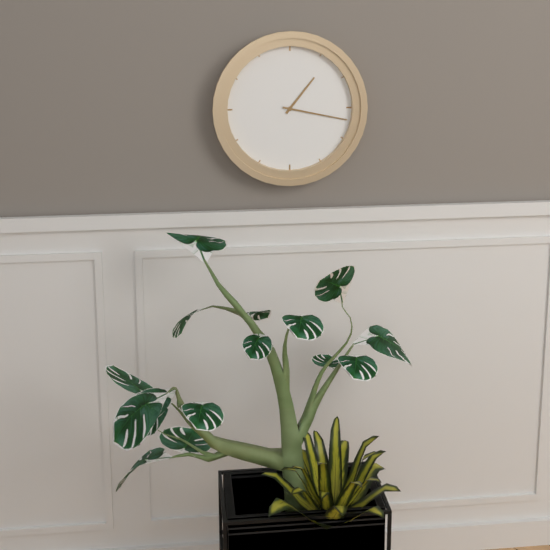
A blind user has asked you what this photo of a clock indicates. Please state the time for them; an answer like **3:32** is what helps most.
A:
**1:17**
